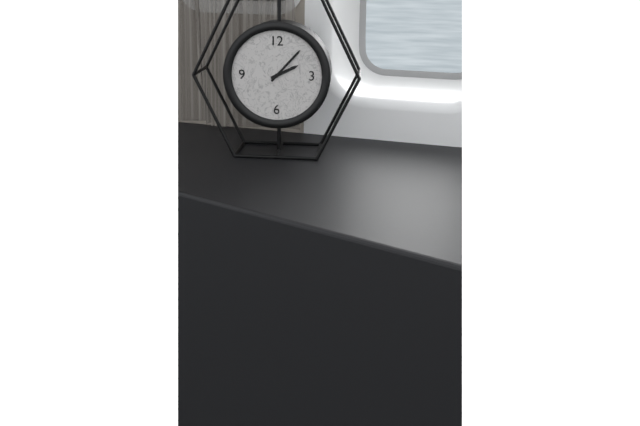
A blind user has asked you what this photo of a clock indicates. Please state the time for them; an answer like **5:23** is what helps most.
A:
**2:07**
